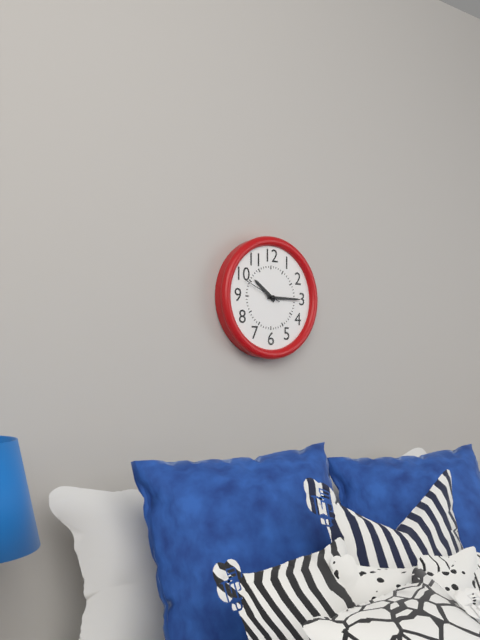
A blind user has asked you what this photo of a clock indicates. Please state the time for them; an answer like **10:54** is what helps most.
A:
**10:15**
